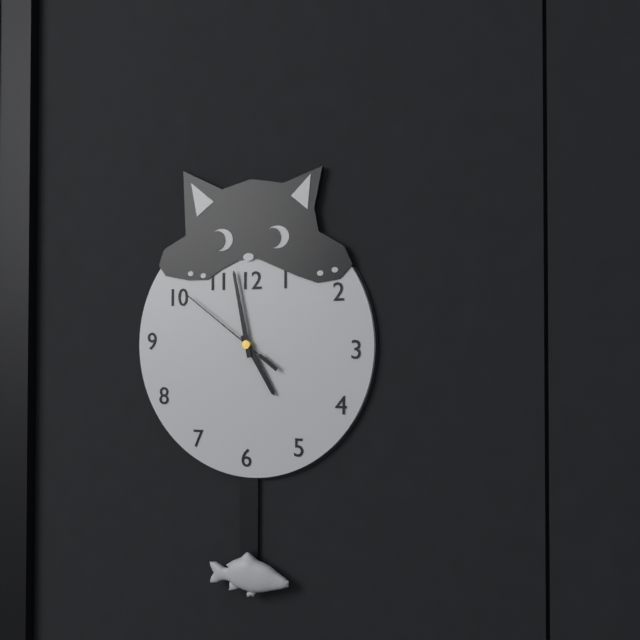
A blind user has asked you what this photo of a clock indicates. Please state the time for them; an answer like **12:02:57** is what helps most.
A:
**4:58:51**
